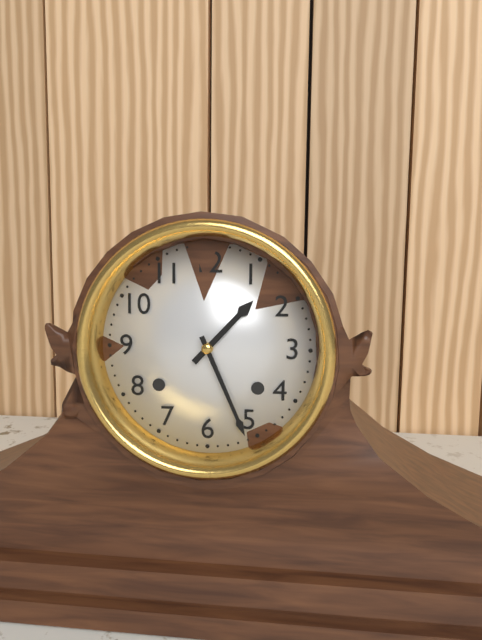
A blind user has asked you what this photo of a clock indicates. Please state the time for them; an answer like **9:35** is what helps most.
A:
**1:26**
